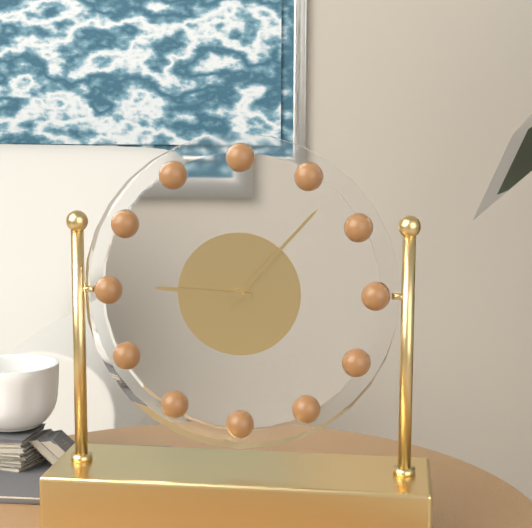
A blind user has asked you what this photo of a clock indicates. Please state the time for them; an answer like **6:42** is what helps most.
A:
**9:07**
